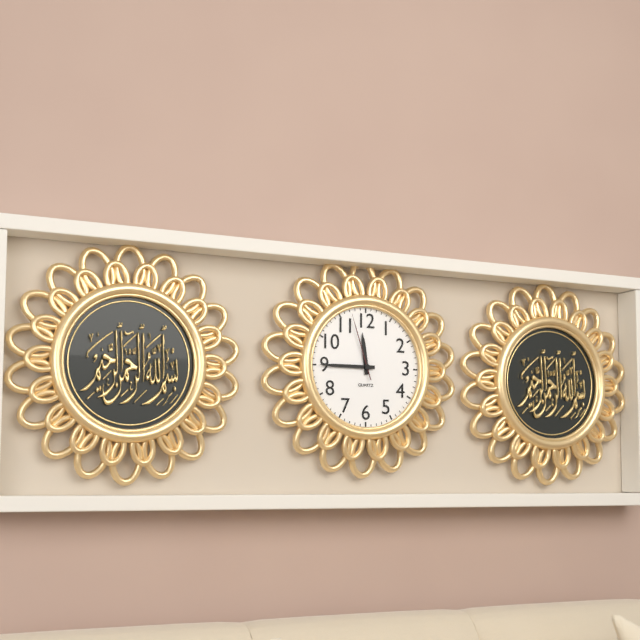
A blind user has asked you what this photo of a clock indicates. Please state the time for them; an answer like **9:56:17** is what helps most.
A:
**11:45:57**
